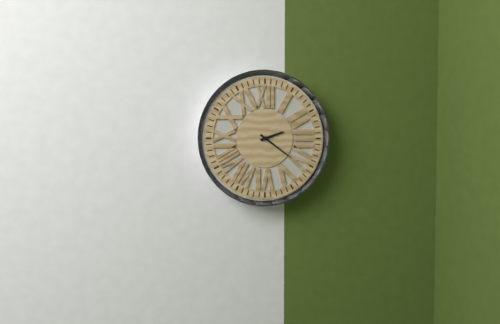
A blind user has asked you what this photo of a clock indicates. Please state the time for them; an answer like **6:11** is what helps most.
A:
**2:21**
